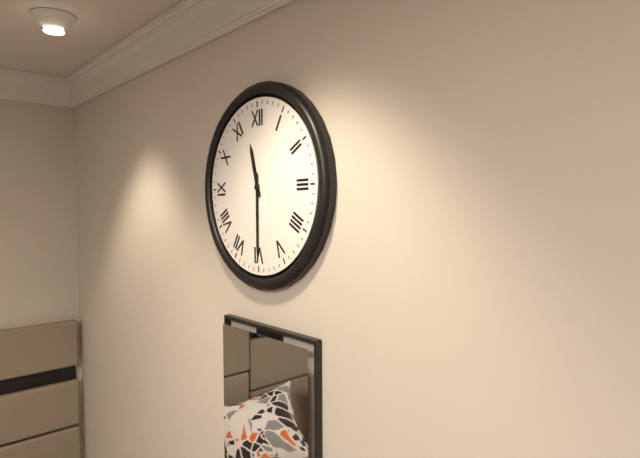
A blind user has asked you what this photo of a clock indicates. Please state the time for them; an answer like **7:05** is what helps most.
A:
**11:30**
